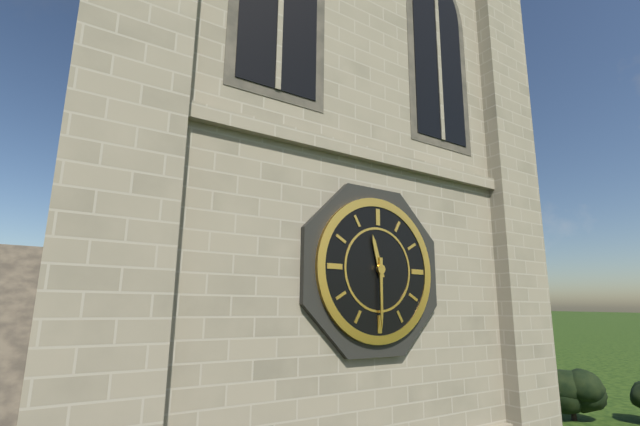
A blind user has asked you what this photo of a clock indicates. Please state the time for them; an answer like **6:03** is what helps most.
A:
**11:30**
